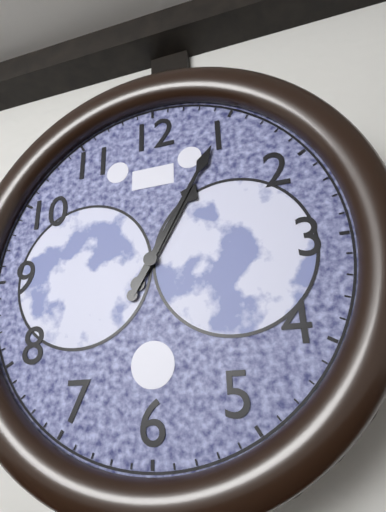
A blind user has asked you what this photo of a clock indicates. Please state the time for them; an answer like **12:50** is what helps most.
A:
**1:05**
